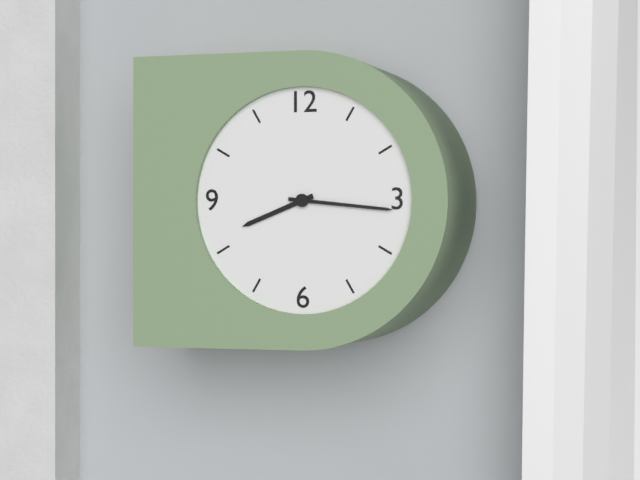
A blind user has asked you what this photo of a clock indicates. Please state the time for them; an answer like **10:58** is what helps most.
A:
**8:16**
